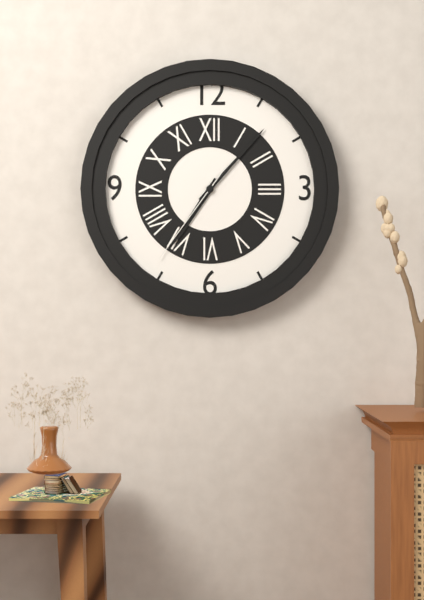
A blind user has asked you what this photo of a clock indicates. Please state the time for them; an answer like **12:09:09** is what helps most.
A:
**7:07:36**
